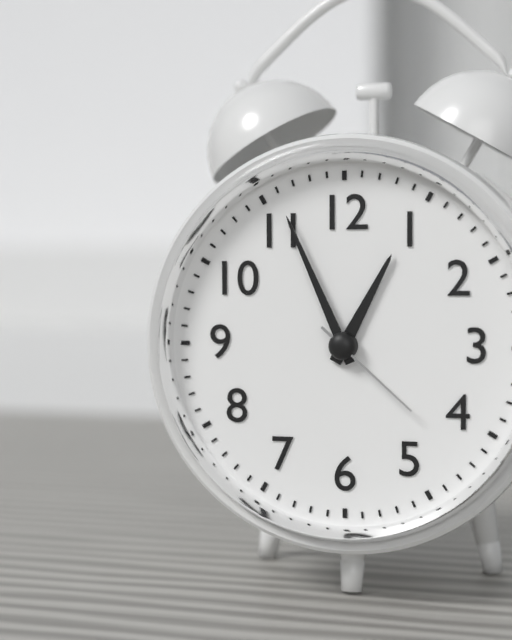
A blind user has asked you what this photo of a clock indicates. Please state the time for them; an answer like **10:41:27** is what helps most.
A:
**12:56:22**
